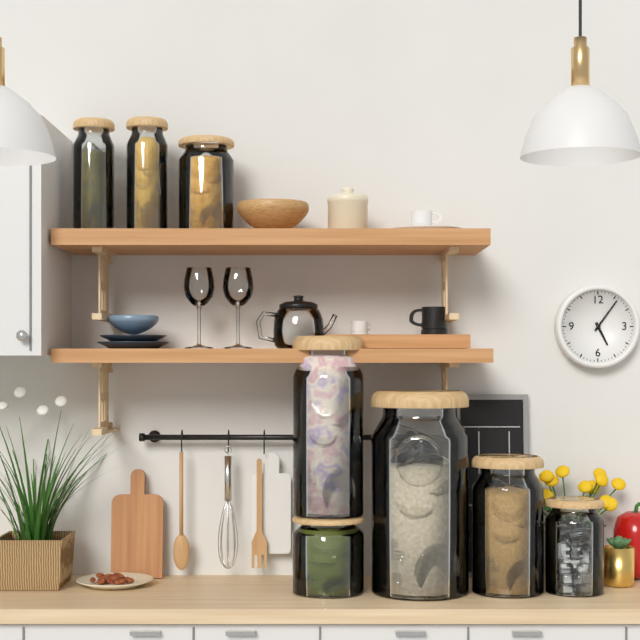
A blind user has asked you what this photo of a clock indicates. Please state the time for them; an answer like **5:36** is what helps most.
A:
**5:06**
